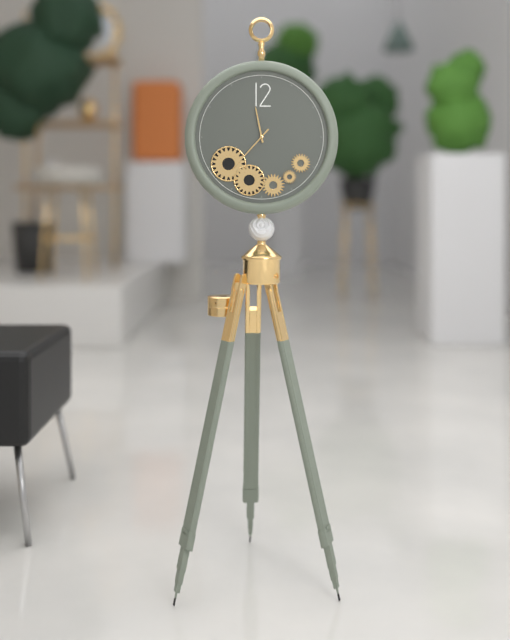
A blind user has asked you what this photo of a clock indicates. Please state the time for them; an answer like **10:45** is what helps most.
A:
**11:37**
